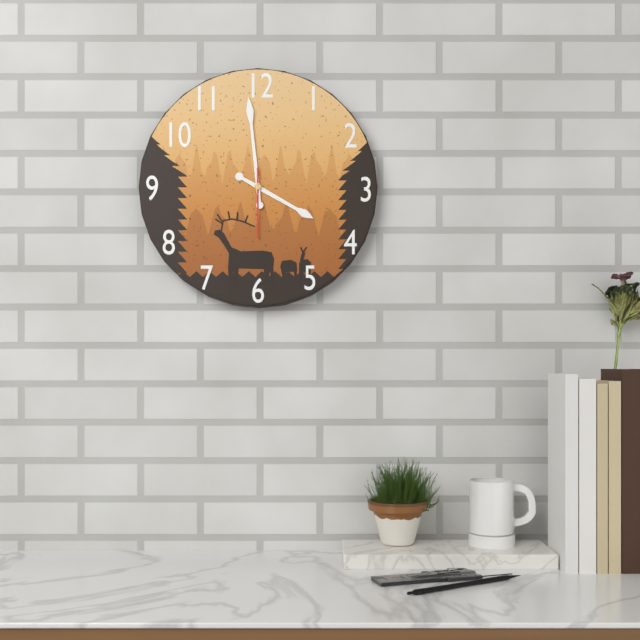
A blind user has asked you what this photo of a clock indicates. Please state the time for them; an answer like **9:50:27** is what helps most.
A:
**3:59:30**
